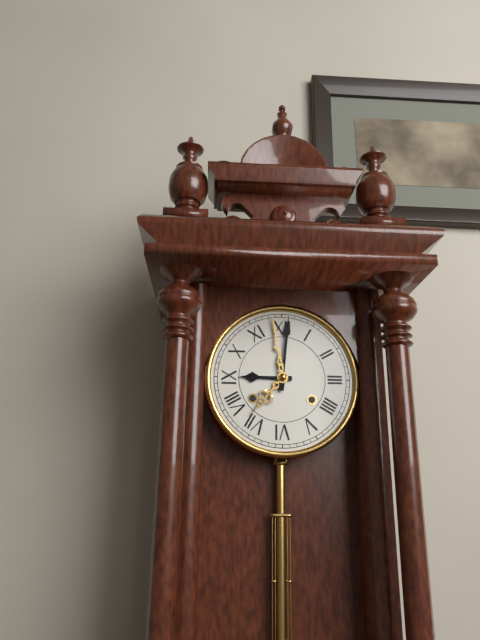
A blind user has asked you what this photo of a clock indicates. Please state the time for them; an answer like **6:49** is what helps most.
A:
**9:01**
